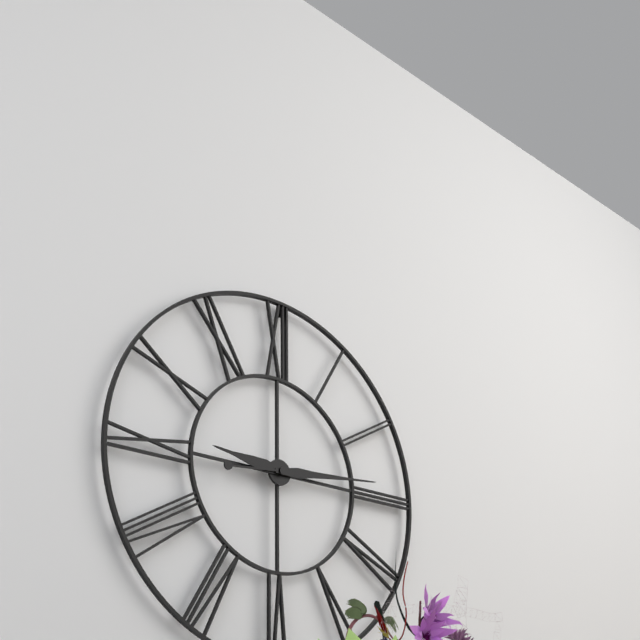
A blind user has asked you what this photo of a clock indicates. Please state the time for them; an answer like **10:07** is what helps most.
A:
**9:14**
